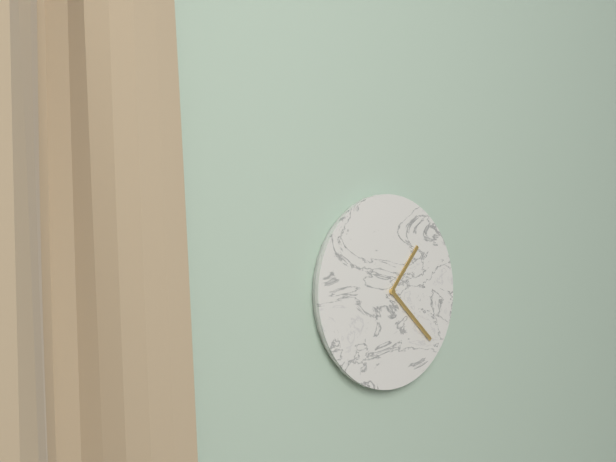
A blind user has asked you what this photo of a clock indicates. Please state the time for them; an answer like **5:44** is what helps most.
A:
**1:22**
